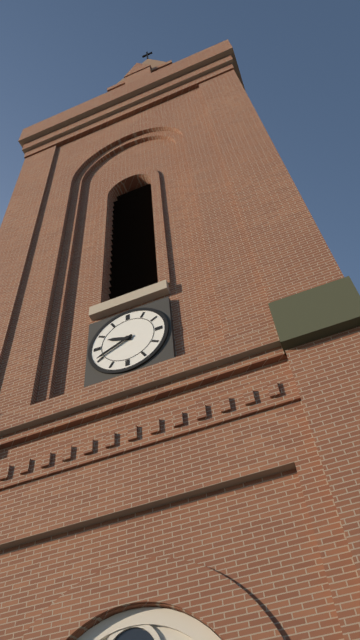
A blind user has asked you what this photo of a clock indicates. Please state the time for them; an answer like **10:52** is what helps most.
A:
**9:41**
